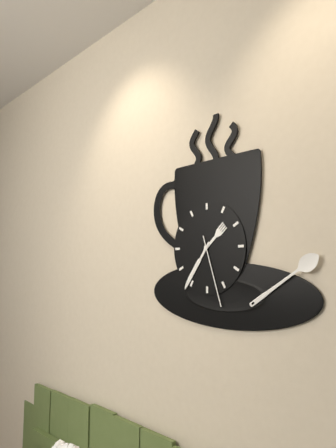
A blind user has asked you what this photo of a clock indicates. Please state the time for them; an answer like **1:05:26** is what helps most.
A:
**1:36:27**
